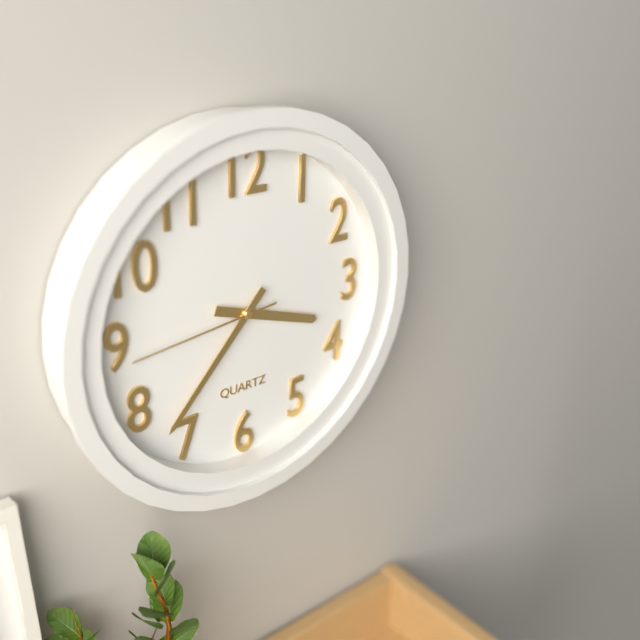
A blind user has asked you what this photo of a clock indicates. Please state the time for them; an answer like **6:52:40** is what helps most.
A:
**3:37:44**
